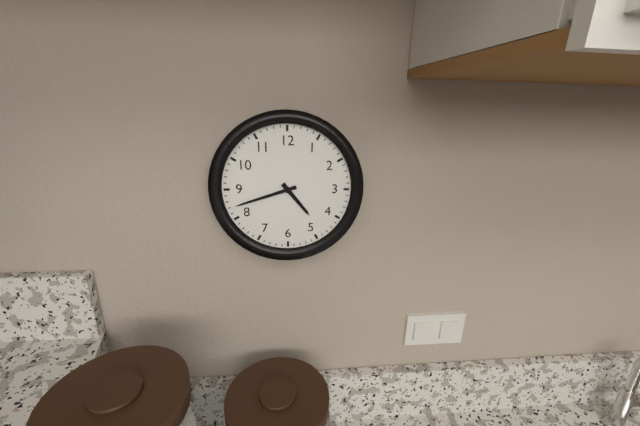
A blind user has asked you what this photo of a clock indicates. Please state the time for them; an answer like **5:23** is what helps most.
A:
**4:42**
